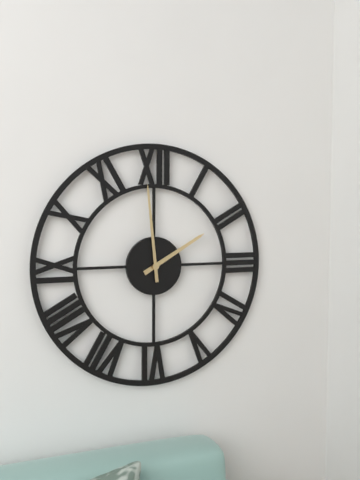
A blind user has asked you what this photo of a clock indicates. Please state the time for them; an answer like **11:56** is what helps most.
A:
**1:59**
